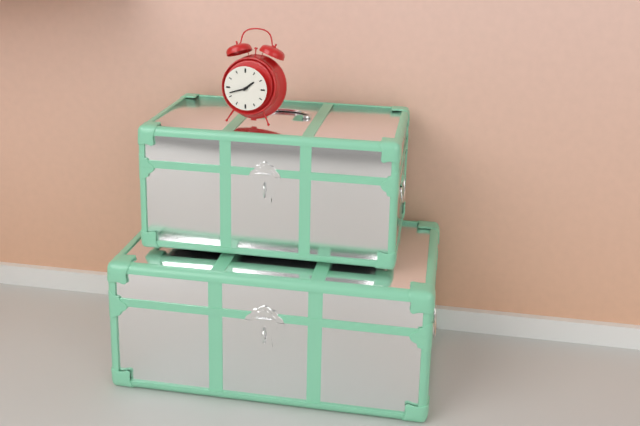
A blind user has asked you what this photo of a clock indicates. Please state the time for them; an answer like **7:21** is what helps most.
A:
**1:42**
